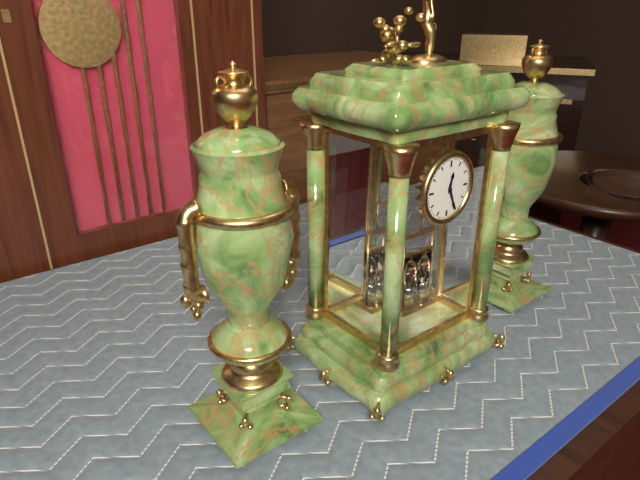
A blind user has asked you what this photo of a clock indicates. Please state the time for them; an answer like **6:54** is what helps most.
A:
**12:26**
